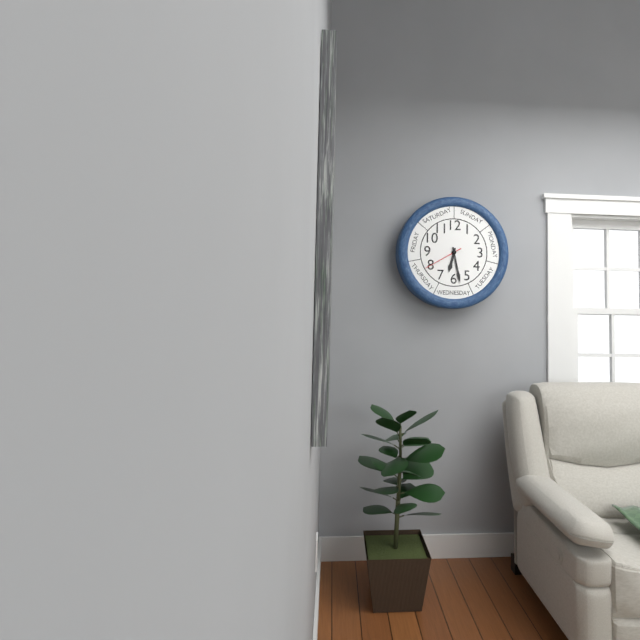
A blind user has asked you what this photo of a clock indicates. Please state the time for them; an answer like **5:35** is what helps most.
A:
**6:28**
